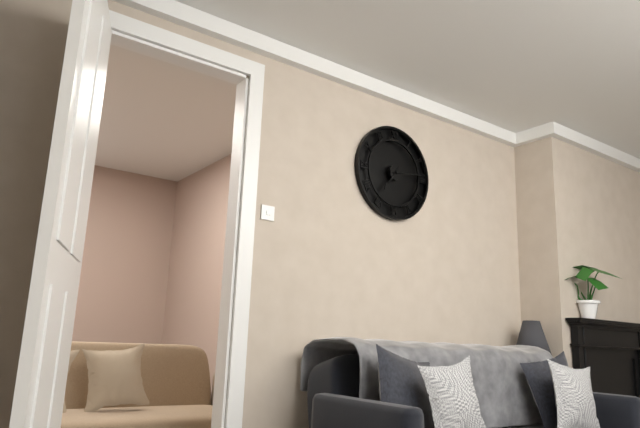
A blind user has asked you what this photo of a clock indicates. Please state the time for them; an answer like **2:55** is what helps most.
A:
**7:14**
